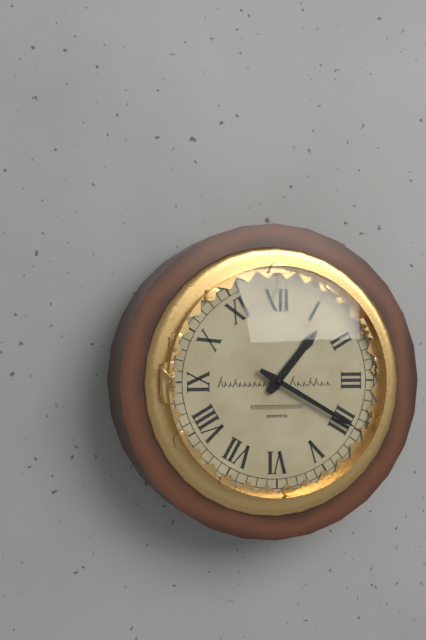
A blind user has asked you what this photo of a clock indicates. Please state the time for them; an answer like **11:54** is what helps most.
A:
**1:20**
